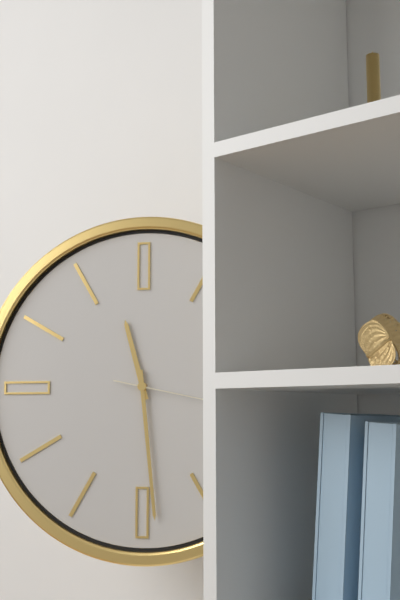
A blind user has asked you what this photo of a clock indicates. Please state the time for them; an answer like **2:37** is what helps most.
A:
**11:29**
